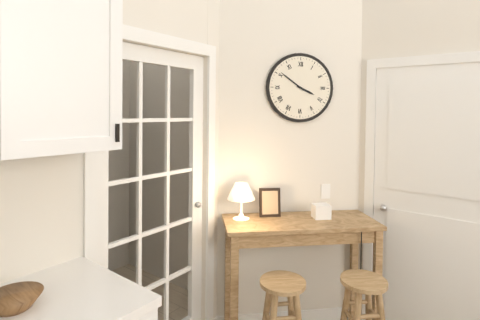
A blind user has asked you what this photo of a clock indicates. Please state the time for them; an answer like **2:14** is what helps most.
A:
**3:51**
